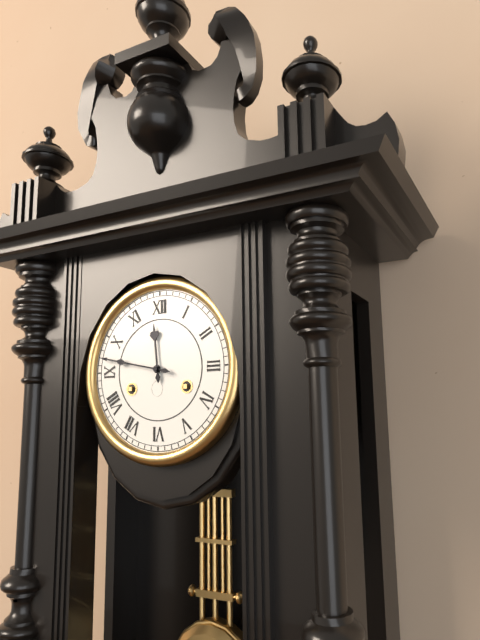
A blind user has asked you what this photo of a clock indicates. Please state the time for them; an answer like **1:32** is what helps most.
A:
**11:47**
